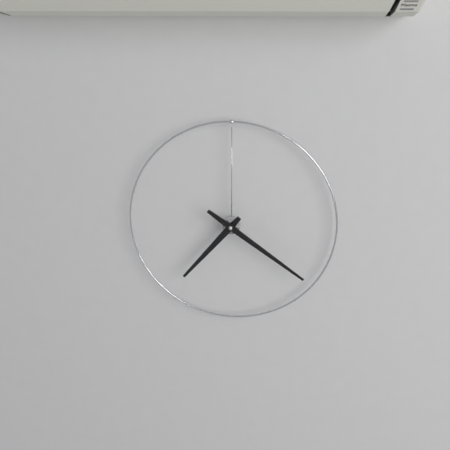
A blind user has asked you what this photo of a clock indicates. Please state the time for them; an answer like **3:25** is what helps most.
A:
**7:21**
